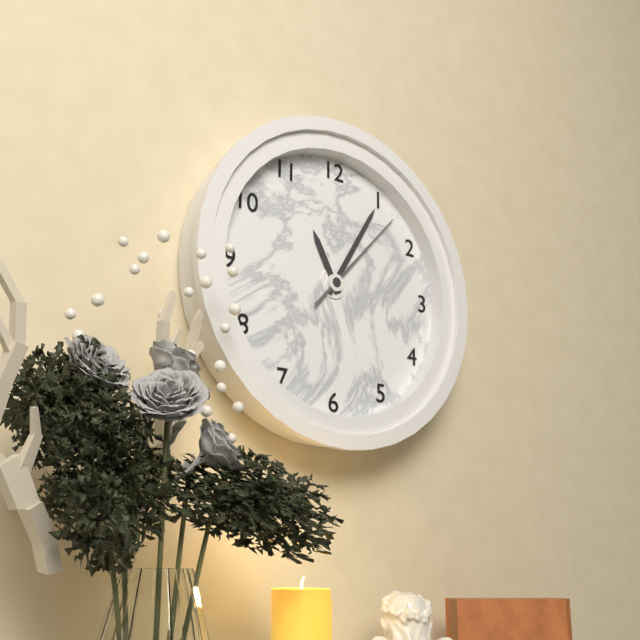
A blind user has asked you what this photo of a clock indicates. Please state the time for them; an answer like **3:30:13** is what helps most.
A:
**11:05:07**
